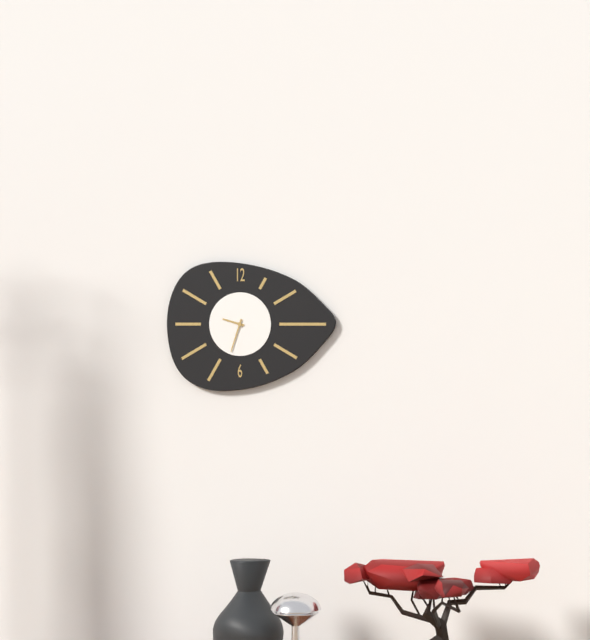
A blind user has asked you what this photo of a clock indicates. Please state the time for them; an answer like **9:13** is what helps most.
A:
**9:33**
